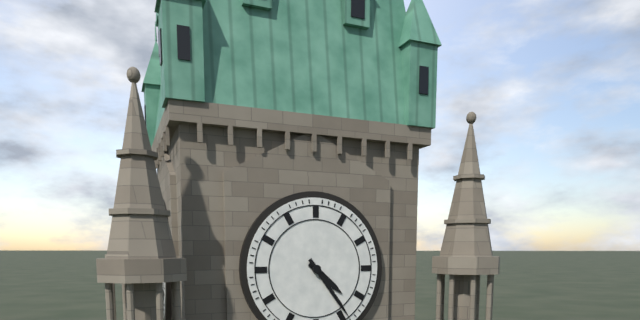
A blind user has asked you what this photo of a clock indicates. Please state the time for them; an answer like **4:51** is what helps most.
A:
**4:24**
